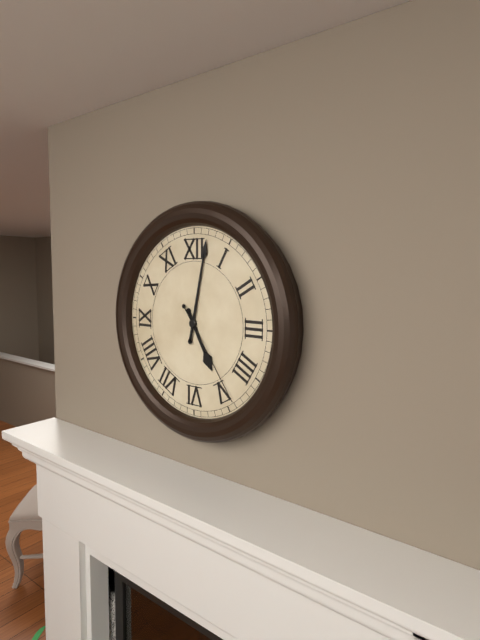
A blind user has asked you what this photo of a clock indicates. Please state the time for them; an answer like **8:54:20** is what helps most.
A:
**5:02:24**
